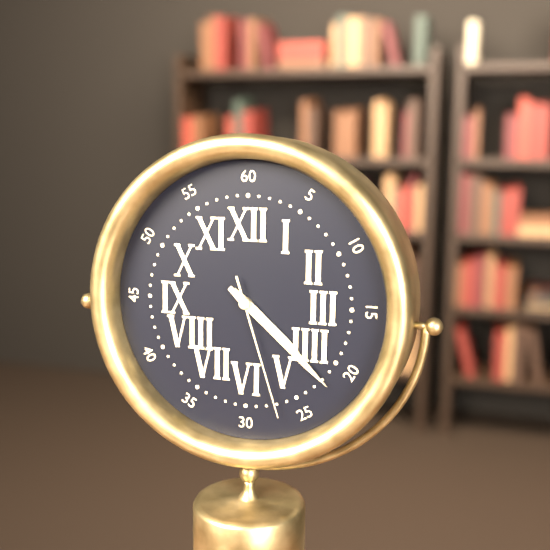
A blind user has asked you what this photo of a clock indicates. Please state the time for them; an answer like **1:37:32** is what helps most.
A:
**4:22:27**
